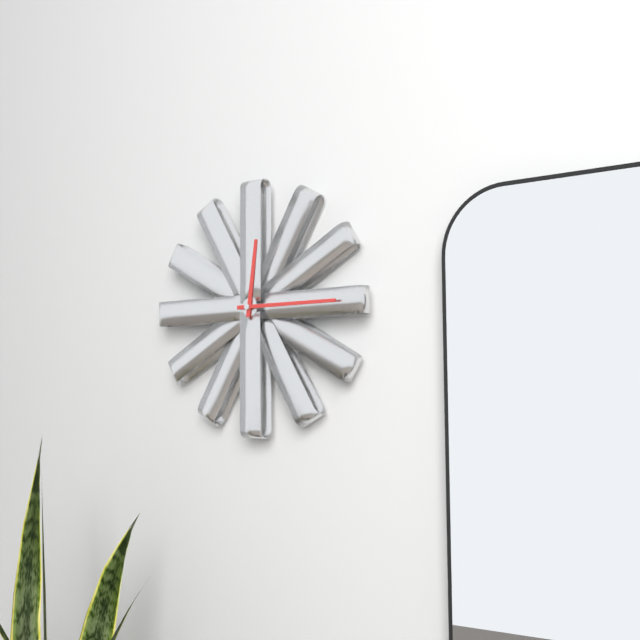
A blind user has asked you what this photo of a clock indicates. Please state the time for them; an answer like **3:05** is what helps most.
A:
**12:15**
